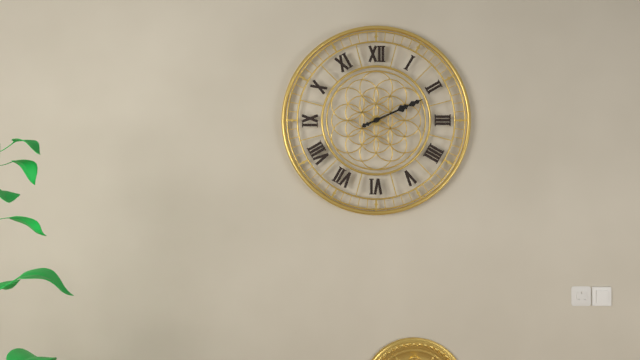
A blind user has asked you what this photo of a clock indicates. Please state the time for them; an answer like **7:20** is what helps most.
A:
**2:11**
